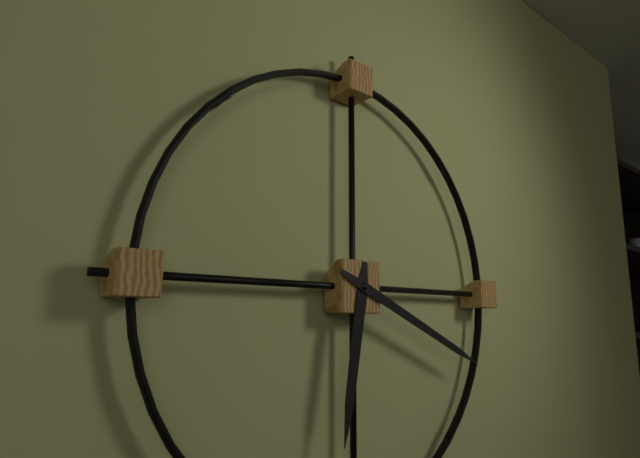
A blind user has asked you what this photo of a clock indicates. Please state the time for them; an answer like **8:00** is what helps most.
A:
**6:19**
